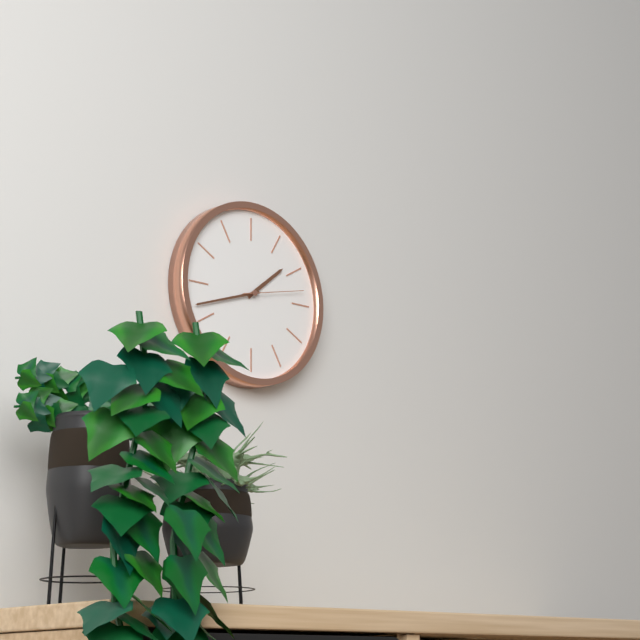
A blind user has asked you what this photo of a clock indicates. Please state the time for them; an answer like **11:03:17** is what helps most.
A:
**1:42:13**
